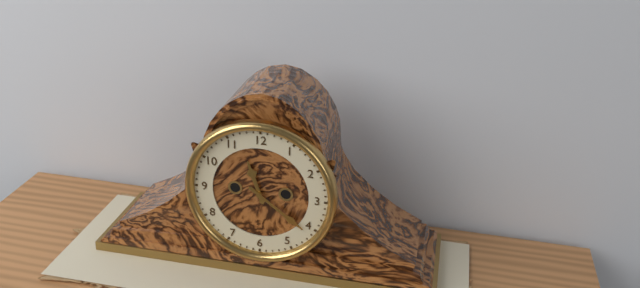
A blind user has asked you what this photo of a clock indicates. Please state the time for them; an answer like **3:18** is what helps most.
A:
**11:21**
